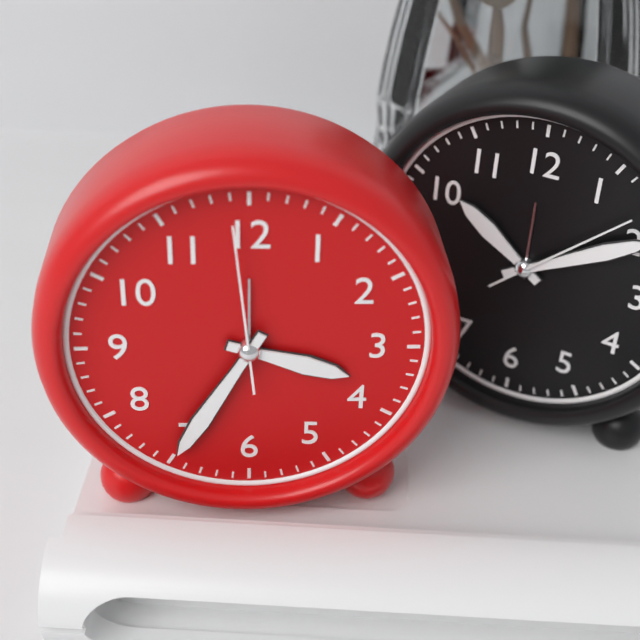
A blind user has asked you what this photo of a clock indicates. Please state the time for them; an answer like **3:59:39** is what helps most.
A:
**3:35:59**
